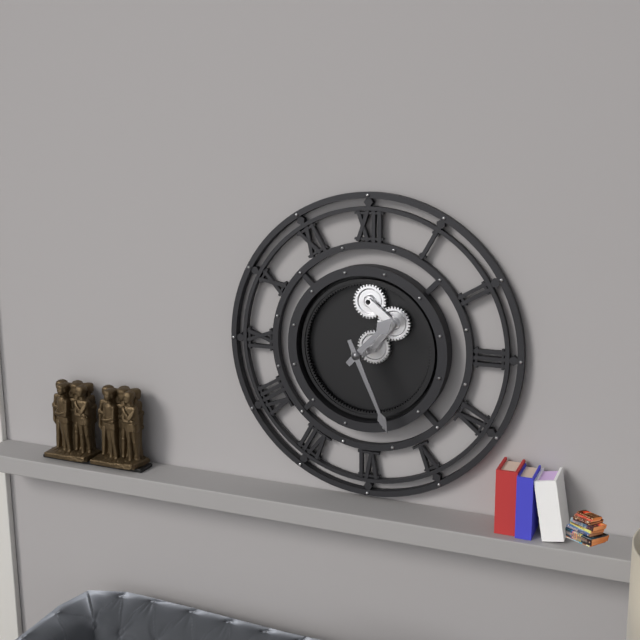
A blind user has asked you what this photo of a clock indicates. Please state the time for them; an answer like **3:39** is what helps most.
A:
**1:26**
